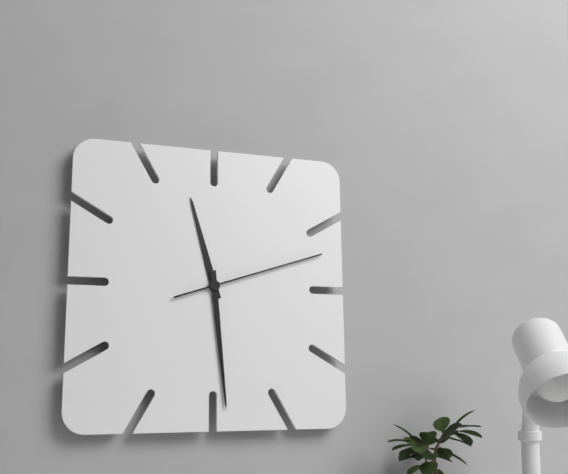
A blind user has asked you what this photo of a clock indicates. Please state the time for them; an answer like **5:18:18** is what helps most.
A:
**11:29:12**
